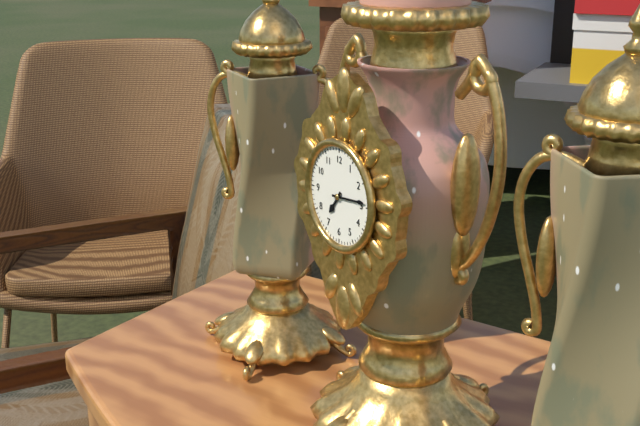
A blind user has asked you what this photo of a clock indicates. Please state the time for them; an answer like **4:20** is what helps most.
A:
**7:14**
